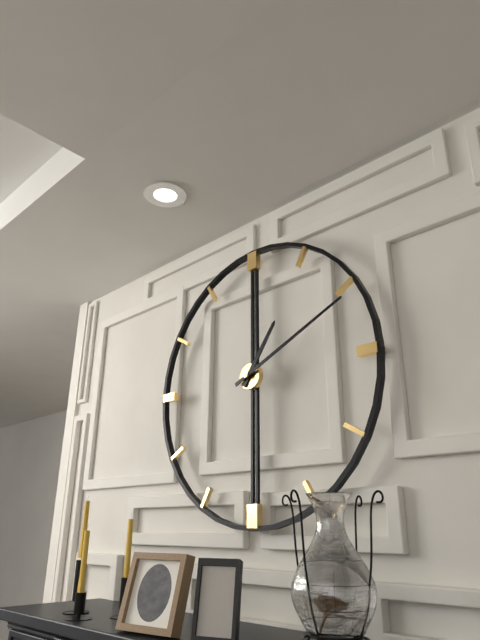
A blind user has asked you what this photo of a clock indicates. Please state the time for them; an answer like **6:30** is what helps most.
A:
**1:11**
